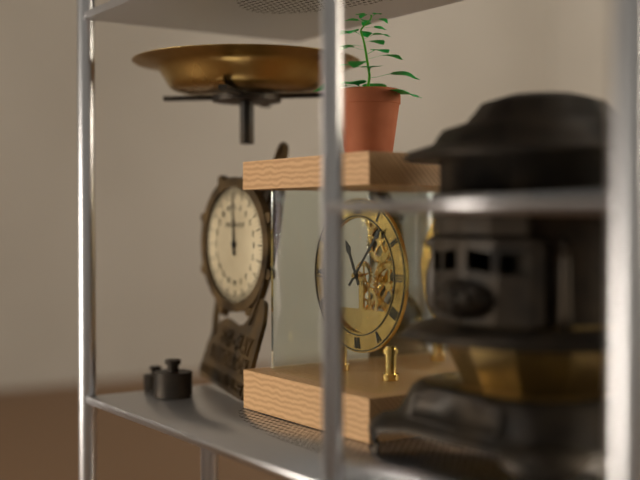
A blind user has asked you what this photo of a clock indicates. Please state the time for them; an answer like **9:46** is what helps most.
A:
**11:07**
